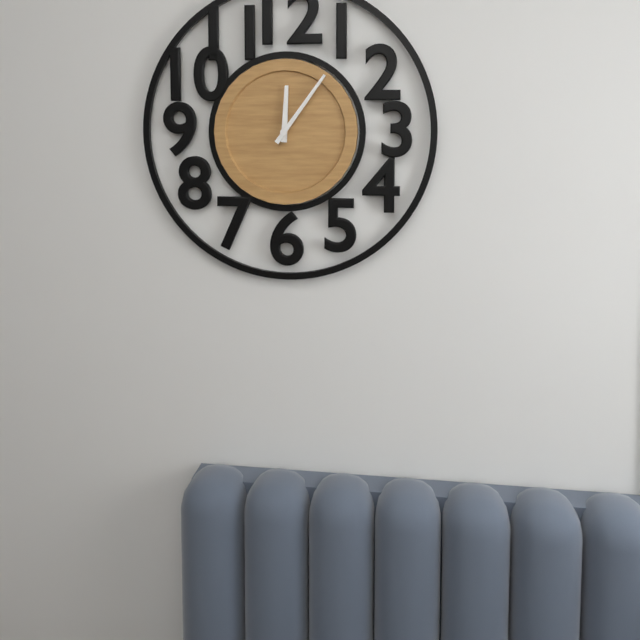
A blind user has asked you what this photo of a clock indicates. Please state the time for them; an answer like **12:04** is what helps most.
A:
**12:06**
